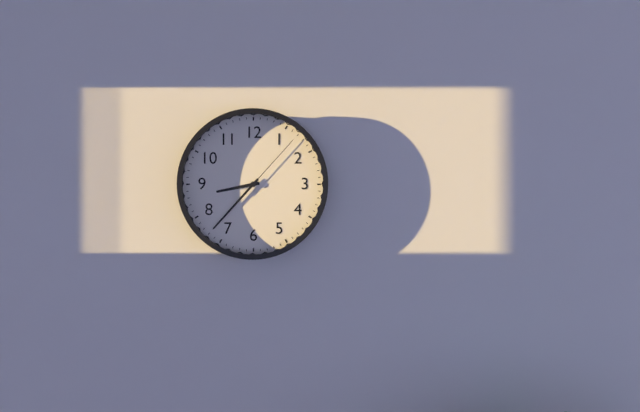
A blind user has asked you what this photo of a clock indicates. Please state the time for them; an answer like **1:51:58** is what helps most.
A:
**8:37:07**
